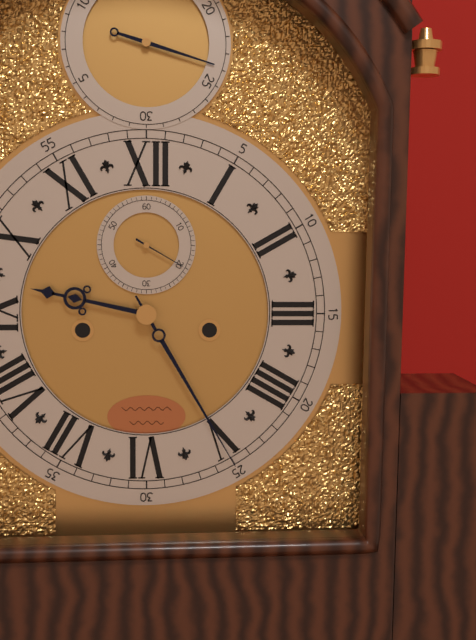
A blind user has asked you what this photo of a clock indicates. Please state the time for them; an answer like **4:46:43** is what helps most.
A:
**9:25:20**
